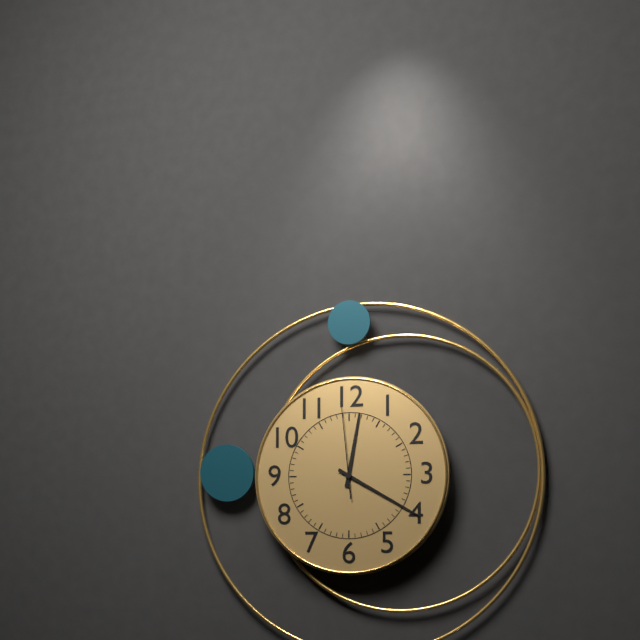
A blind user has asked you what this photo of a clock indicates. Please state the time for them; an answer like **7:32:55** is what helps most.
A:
**12:20:59**
